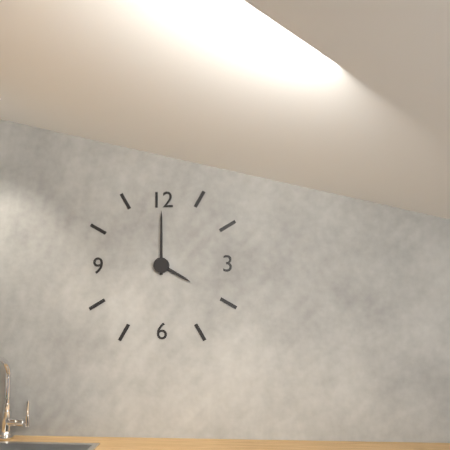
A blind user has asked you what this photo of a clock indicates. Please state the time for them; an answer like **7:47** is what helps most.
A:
**4:00**
